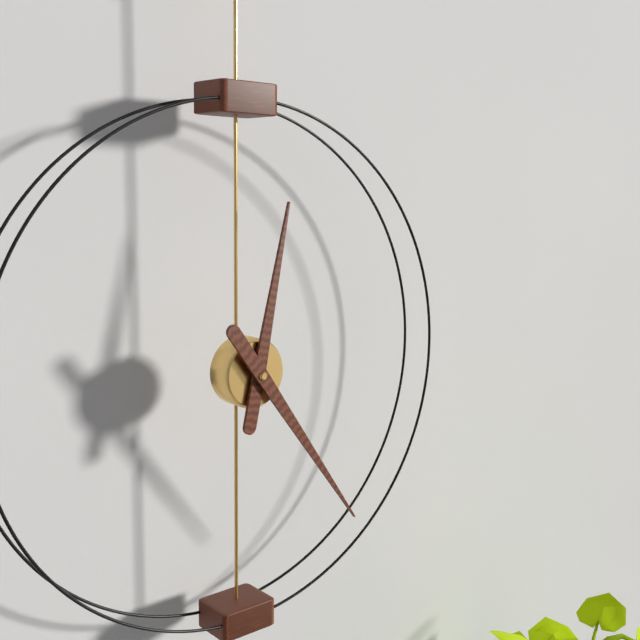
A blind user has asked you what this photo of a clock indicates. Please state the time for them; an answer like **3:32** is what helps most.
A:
**12:24**
